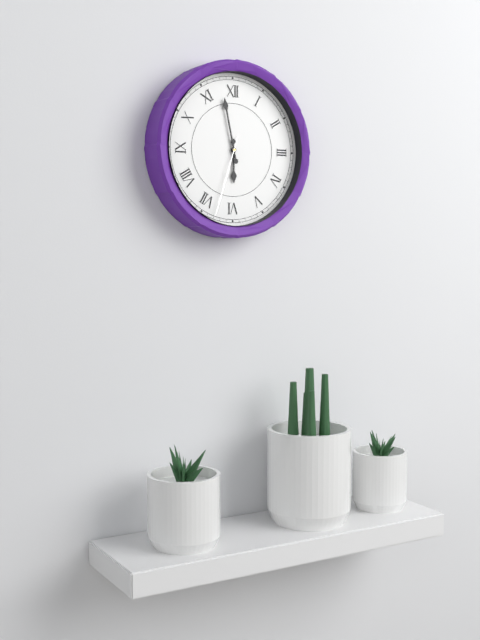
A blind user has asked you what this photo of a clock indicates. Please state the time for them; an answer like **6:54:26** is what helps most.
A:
**5:58:33**
